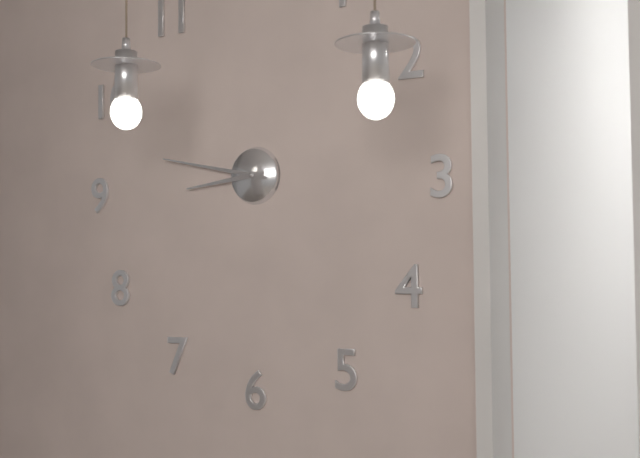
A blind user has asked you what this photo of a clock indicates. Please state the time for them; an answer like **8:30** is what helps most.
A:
**8:47**
